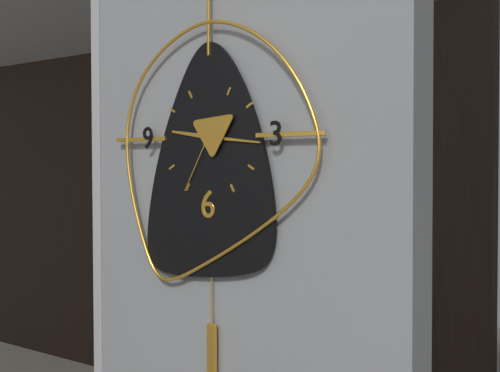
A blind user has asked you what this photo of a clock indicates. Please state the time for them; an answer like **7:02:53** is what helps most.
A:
**9:16:35**
